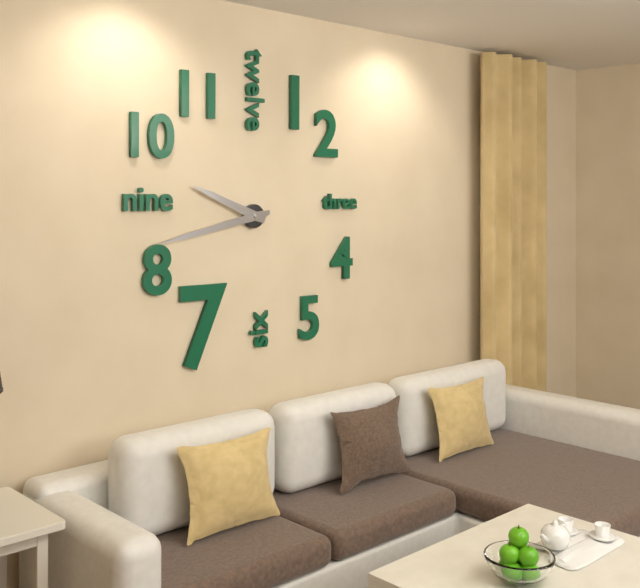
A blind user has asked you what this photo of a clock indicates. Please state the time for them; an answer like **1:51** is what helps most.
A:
**9:43**
